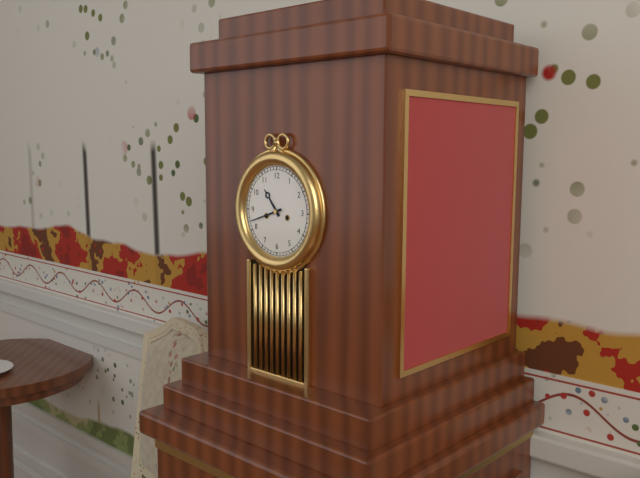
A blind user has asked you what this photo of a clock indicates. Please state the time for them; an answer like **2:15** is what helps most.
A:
**10:42**
